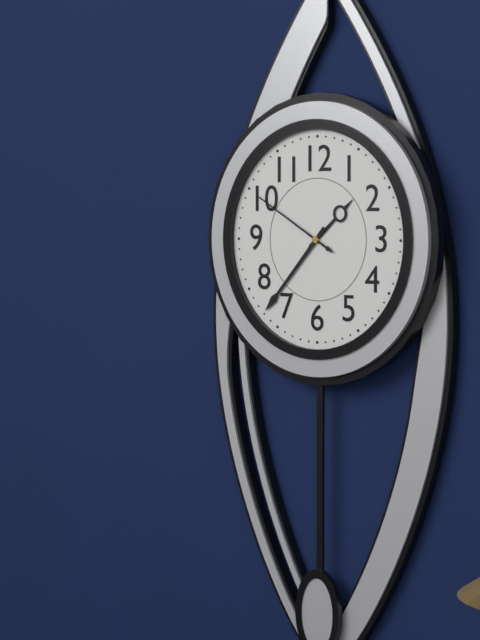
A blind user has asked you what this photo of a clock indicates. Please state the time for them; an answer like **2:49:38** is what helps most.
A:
**1:37:50**
